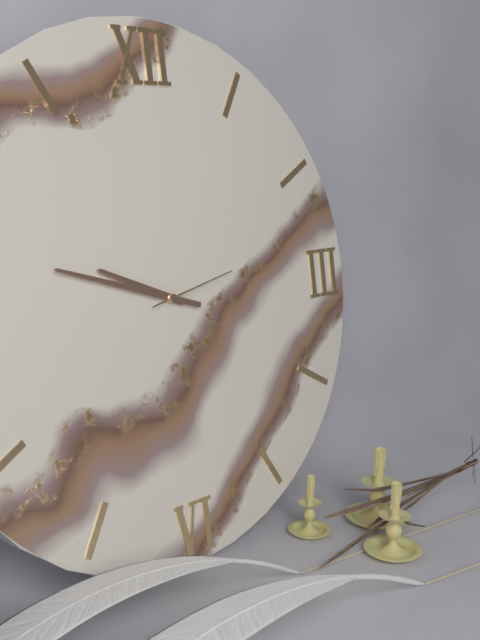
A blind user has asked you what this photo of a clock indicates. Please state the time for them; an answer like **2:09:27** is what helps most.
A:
**9:48:13**
